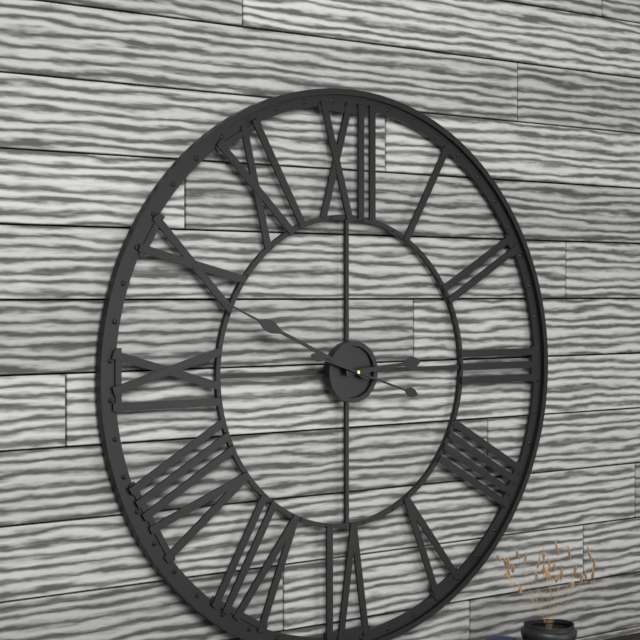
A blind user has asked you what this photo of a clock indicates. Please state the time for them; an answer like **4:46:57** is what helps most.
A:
**2:49:18**
